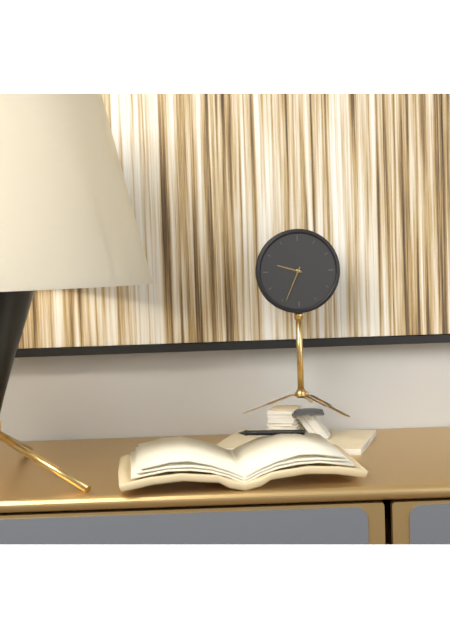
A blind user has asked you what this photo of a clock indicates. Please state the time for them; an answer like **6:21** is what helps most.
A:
**9:34**
